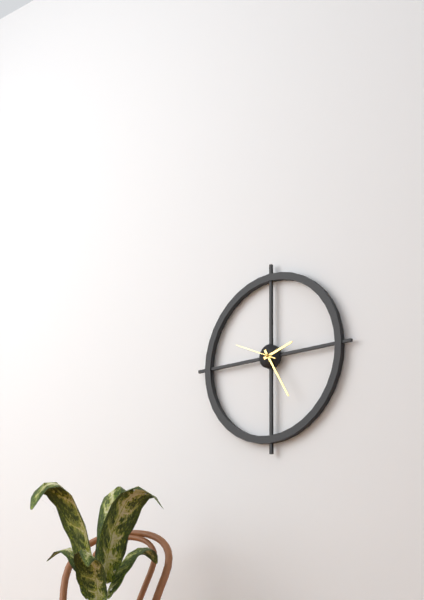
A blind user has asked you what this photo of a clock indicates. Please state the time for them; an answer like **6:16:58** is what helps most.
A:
**2:25:49**
